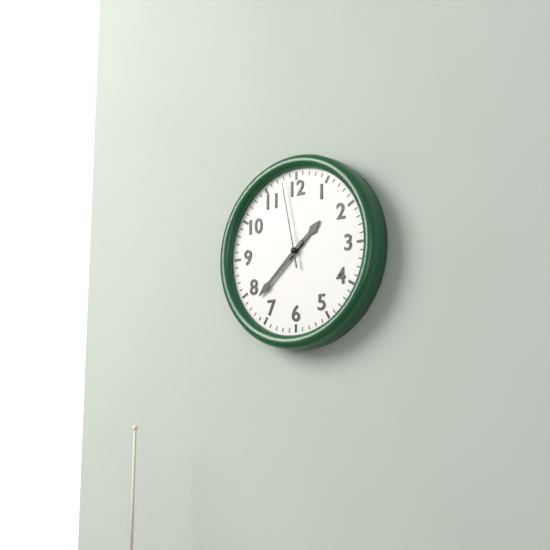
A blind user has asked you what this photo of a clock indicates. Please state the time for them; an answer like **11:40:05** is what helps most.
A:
**1:38:58**
